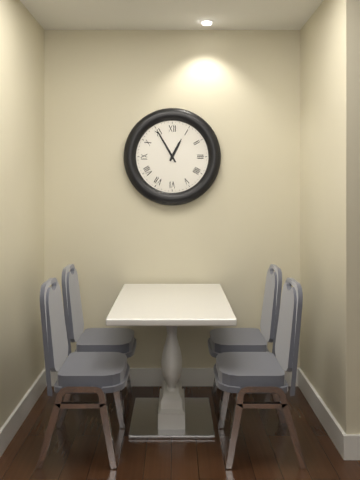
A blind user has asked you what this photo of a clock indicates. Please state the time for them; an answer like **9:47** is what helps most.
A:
**12:55**
